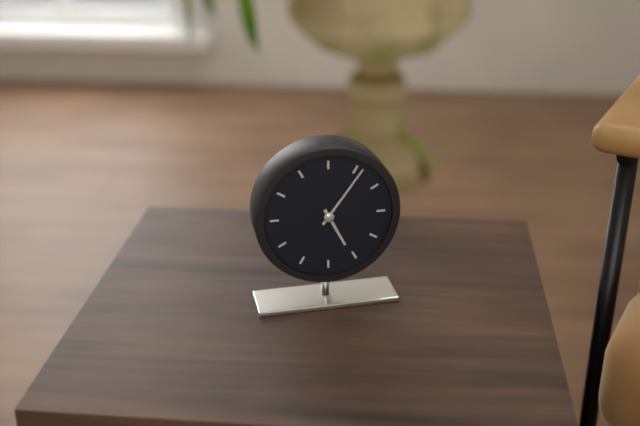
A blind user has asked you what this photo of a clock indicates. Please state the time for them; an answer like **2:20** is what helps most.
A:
**5:06**
